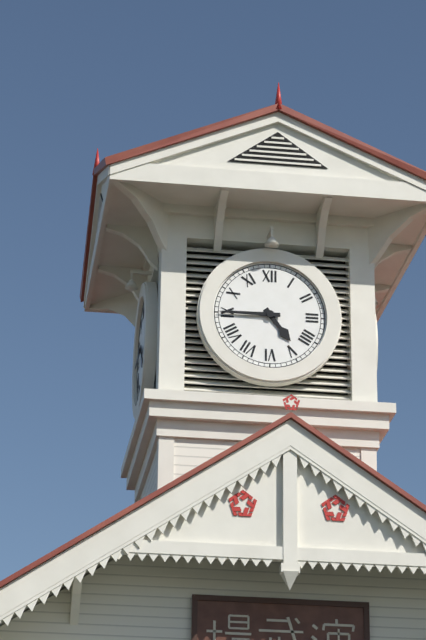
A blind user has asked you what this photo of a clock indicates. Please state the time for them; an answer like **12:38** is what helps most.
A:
**4:45**
